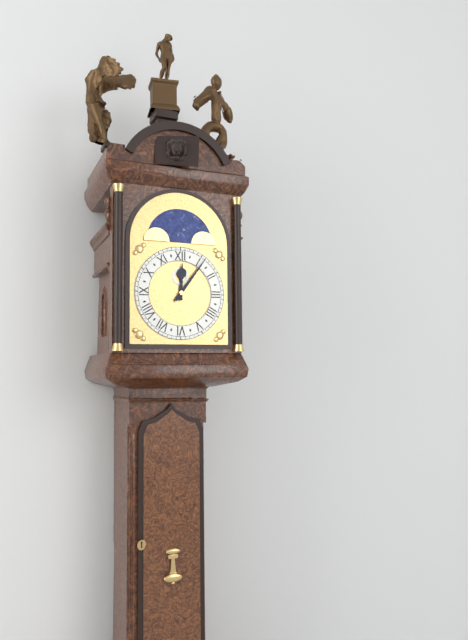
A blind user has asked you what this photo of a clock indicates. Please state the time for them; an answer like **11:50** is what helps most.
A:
**12:06**
